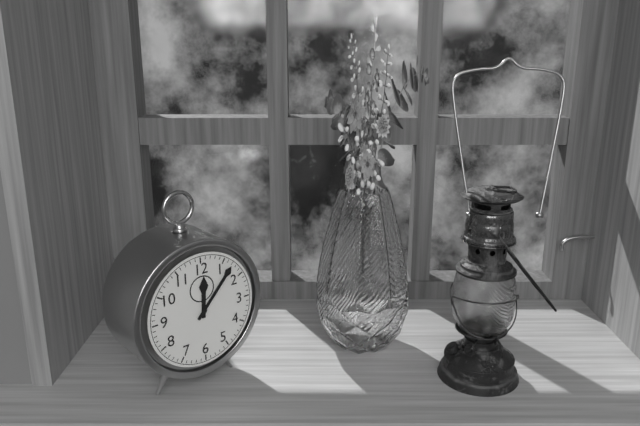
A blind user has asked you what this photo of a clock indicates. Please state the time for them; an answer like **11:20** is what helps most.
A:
**12:07**
